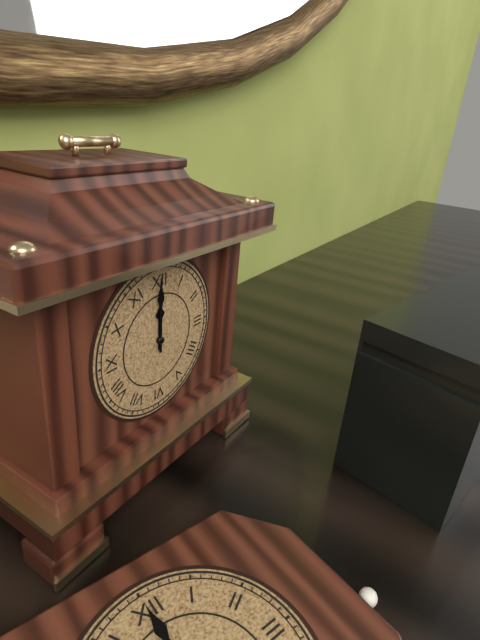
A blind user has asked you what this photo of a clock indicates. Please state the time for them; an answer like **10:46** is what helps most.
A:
**12:00**
